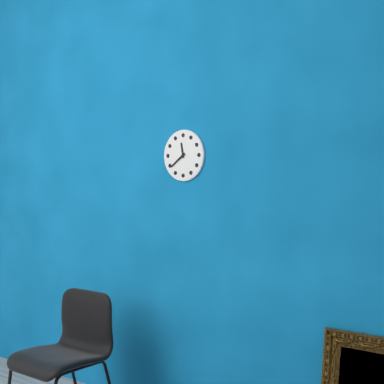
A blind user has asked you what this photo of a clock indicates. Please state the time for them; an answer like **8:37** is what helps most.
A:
**11:39**
